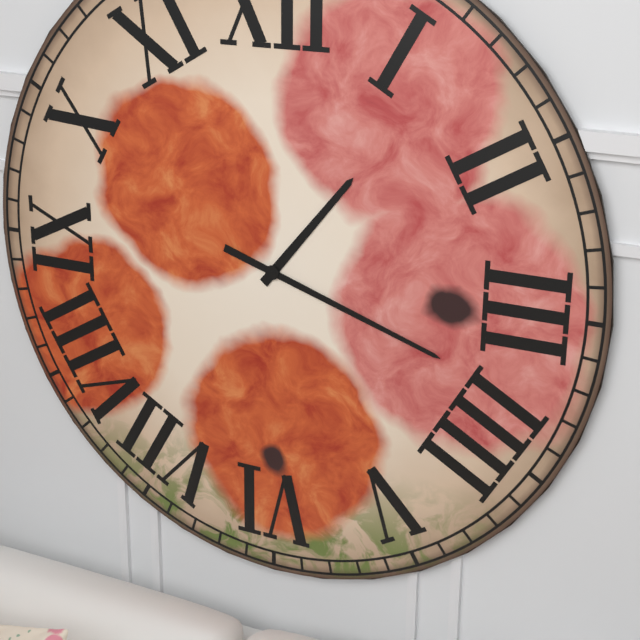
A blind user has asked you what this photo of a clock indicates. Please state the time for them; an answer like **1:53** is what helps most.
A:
**1:18**
